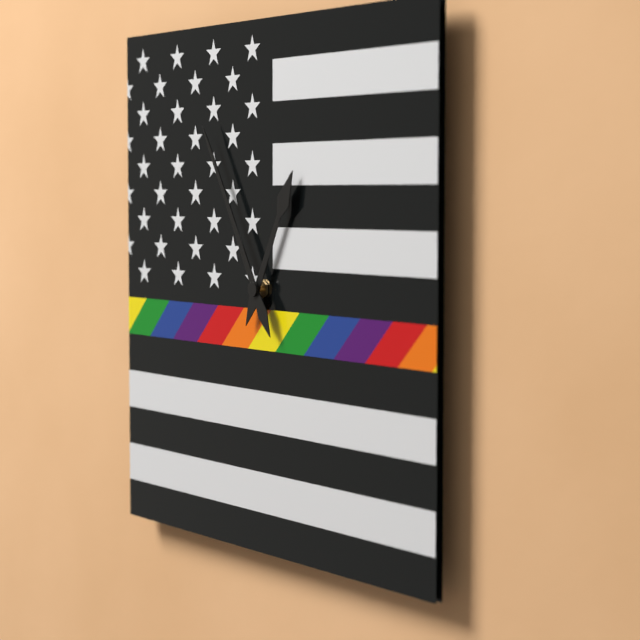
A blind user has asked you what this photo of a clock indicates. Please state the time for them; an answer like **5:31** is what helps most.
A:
**12:55**
